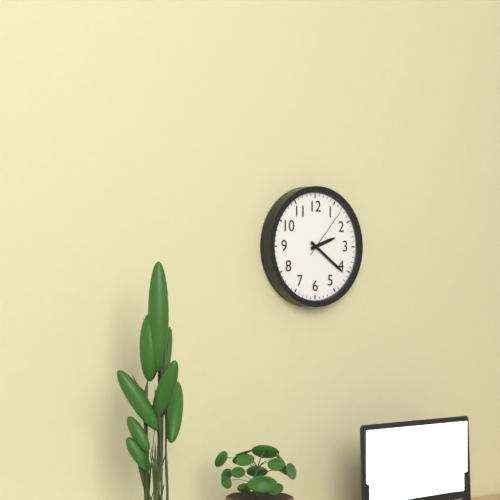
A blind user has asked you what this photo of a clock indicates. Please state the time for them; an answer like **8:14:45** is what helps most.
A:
**2:21:07**
